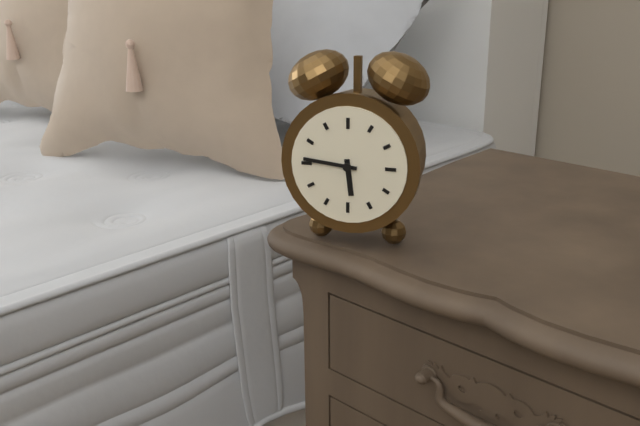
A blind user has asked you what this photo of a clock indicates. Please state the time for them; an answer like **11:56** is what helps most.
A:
**5:46**
